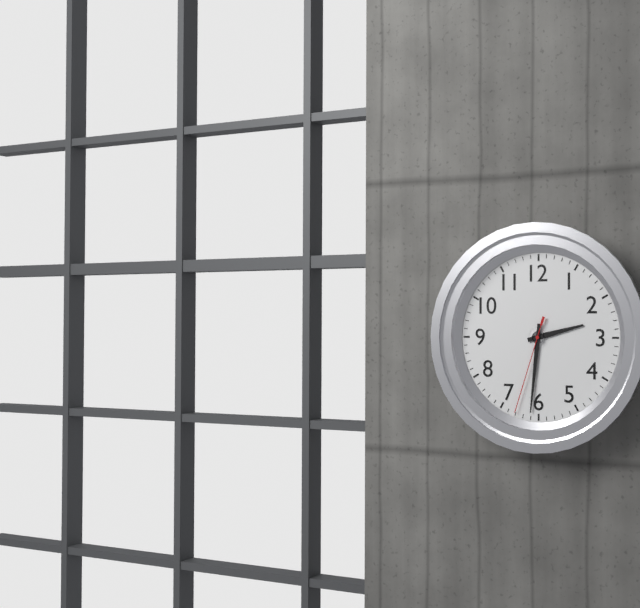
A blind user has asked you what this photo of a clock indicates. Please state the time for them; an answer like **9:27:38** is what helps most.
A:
**2:31:33**
